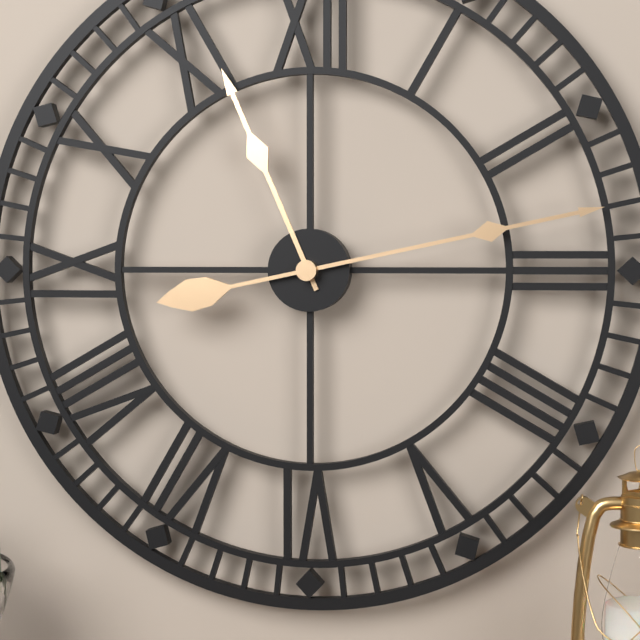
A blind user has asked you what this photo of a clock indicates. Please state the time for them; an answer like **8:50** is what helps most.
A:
**11:13**
